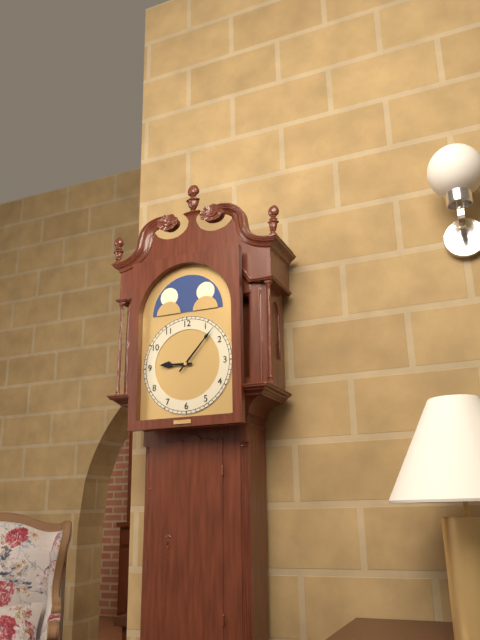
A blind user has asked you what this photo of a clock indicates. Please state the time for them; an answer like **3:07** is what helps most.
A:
**9:07**
